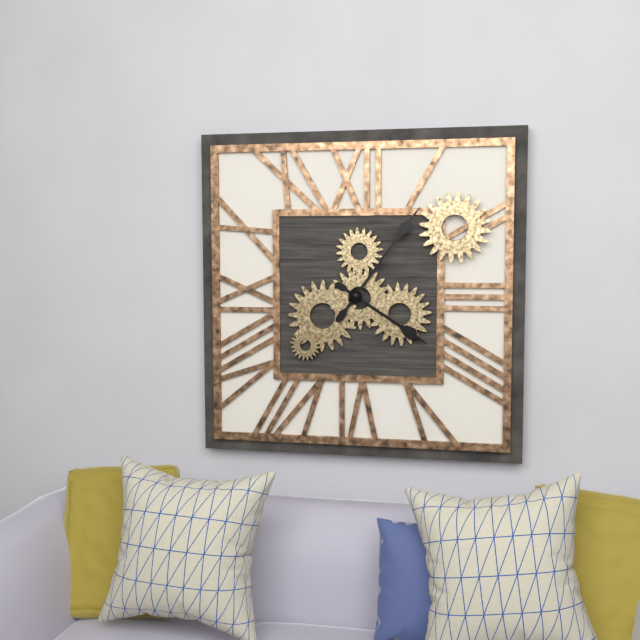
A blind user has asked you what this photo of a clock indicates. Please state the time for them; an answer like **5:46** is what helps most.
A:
**4:06**
